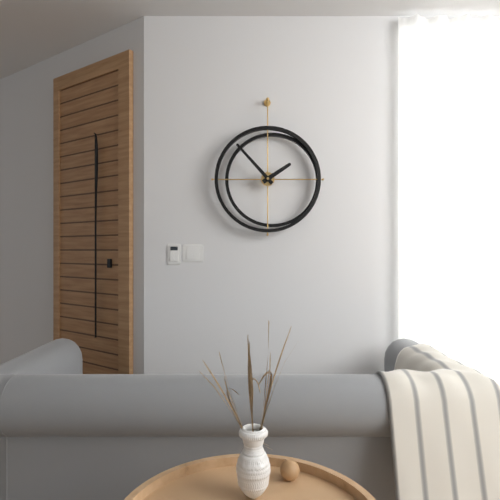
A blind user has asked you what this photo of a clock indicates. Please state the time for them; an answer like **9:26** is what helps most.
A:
**1:53**
